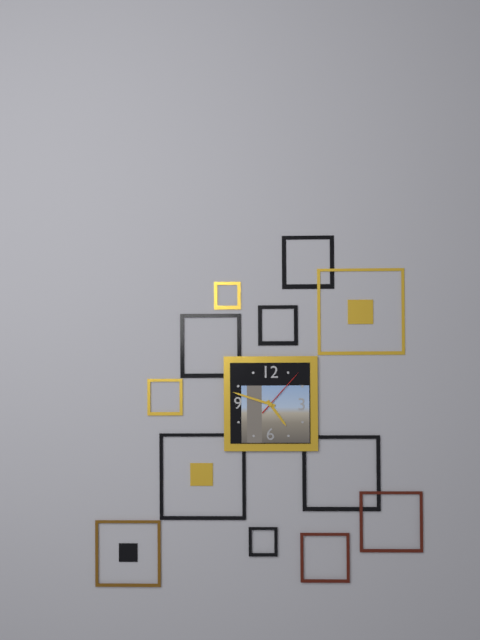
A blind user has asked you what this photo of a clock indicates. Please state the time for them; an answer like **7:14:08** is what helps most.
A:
**4:48:07**
